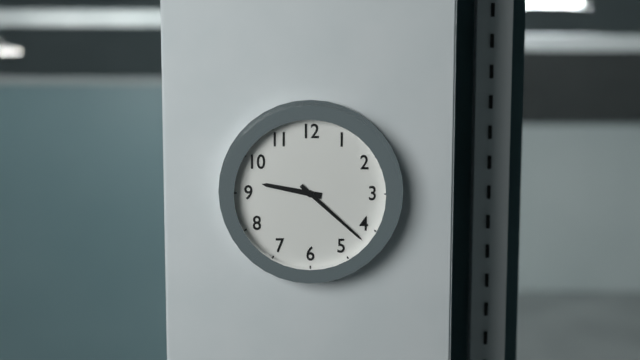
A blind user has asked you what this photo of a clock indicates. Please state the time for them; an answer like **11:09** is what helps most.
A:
**9:22**
